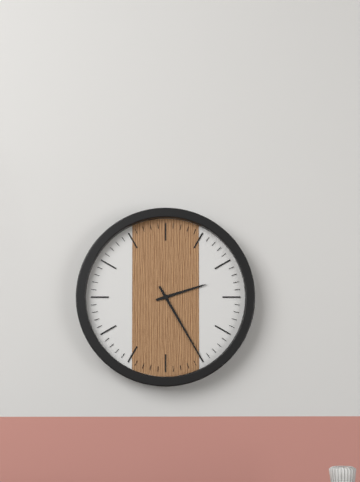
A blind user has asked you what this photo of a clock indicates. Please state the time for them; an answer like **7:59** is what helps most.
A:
**2:25**
